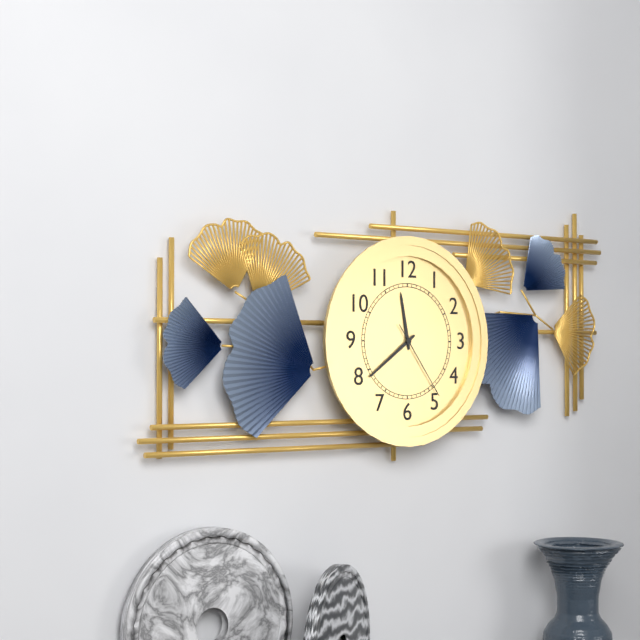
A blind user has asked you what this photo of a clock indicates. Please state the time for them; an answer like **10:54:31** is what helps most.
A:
**11:39:24**
